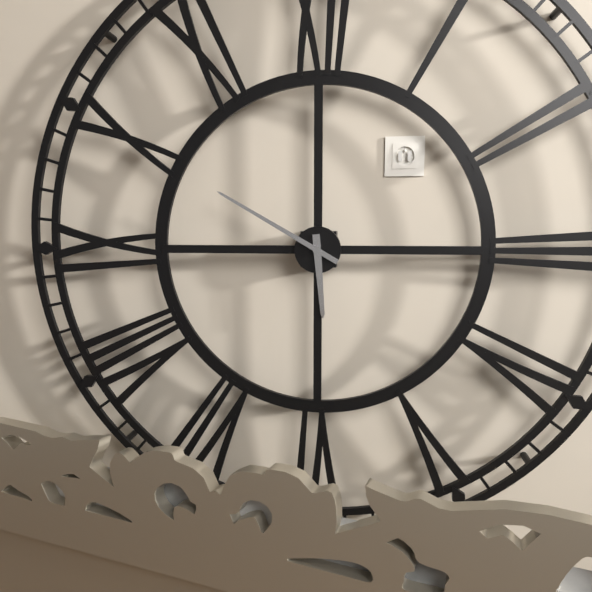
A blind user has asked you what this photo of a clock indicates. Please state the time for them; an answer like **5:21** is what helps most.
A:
**5:50**
